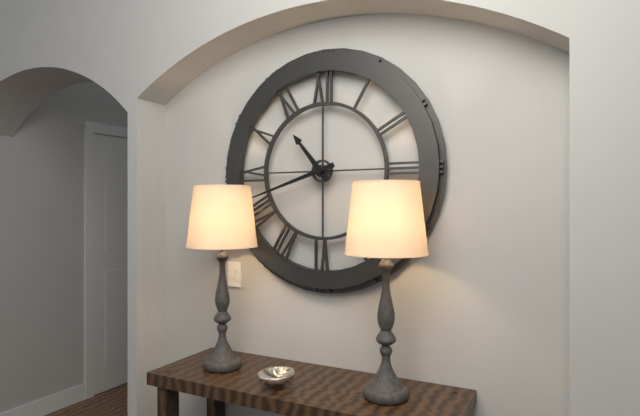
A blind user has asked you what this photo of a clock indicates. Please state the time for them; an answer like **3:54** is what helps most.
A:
**10:42**
